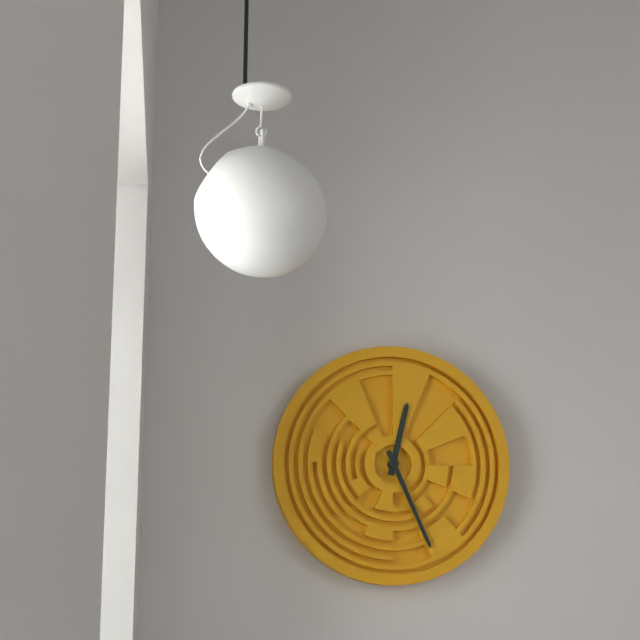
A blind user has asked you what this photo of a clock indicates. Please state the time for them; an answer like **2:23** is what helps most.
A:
**12:26**
